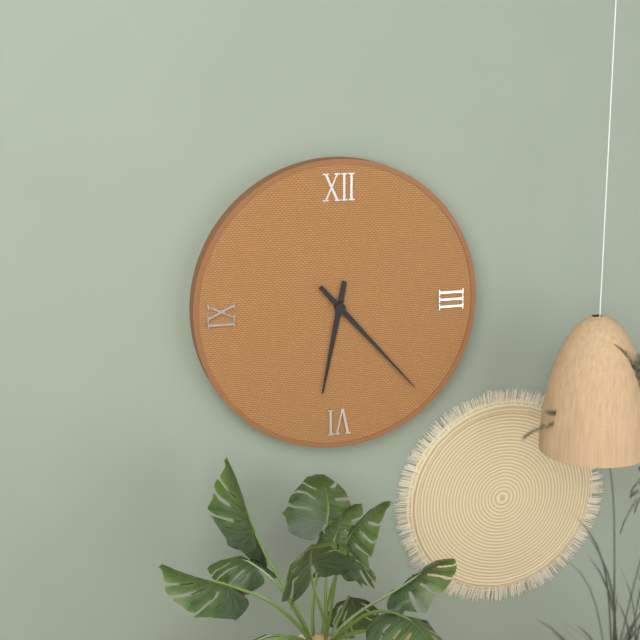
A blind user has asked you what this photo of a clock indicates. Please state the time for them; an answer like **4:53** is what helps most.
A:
**6:23**
